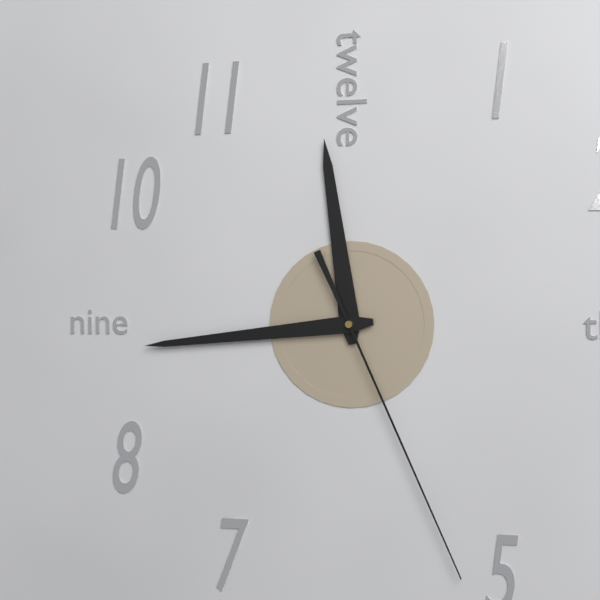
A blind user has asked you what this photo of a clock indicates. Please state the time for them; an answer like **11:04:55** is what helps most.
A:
**11:44:26**
